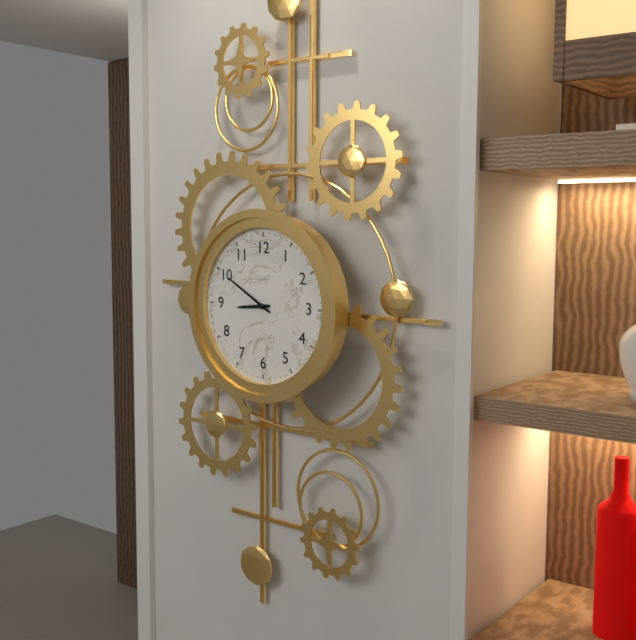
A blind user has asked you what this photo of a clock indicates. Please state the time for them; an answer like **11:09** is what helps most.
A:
**8:50**
